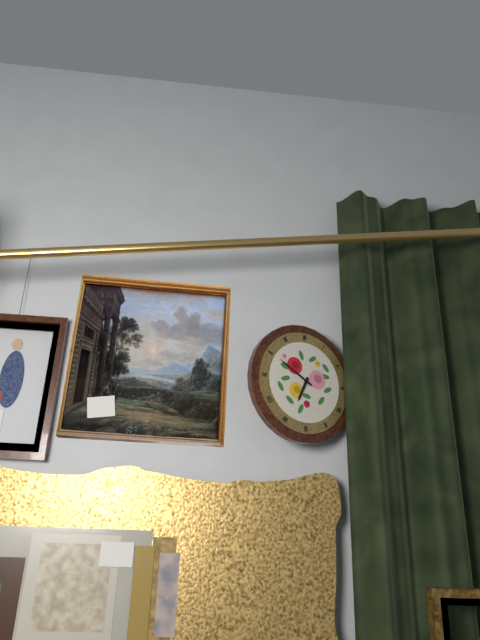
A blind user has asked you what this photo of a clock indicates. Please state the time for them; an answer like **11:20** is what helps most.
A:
**6:50**
